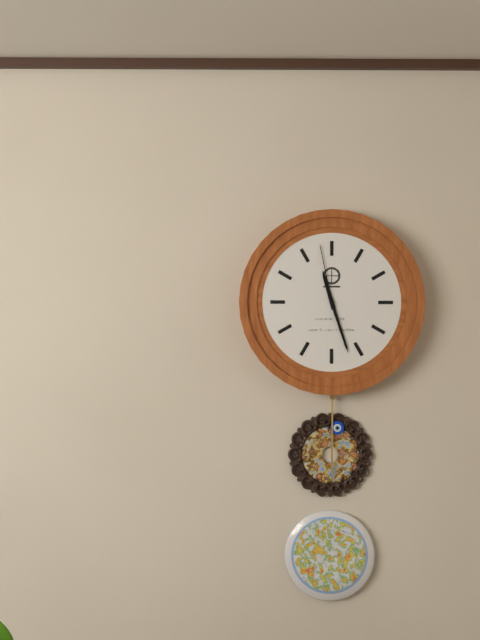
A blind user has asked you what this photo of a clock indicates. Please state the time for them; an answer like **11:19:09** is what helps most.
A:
**11:27:58**
